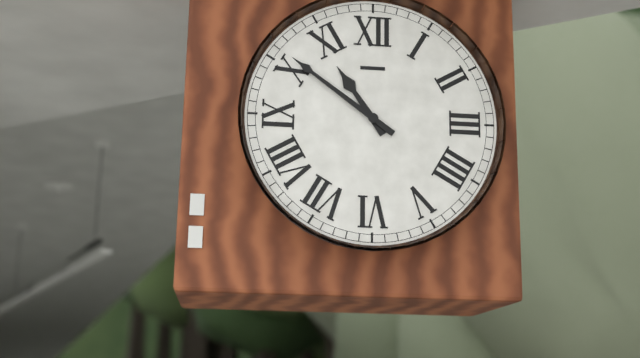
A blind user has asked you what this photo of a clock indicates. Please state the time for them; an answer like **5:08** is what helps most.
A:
**10:51**
